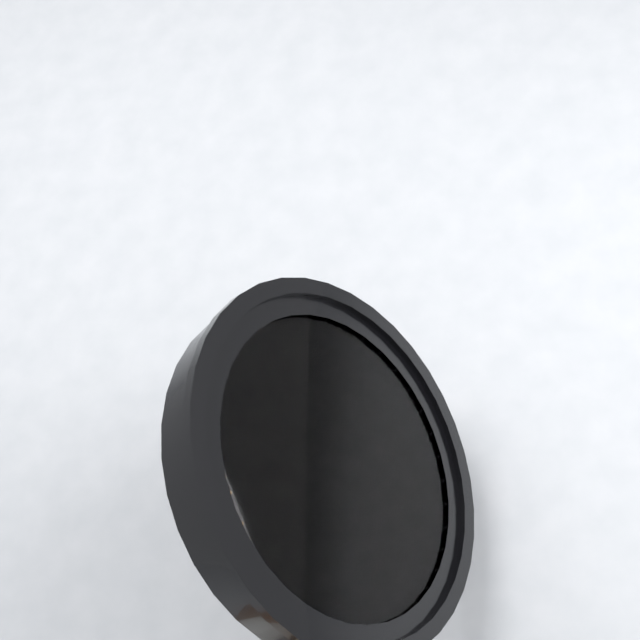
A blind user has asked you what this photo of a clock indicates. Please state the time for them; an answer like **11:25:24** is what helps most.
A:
**5:54:44**
